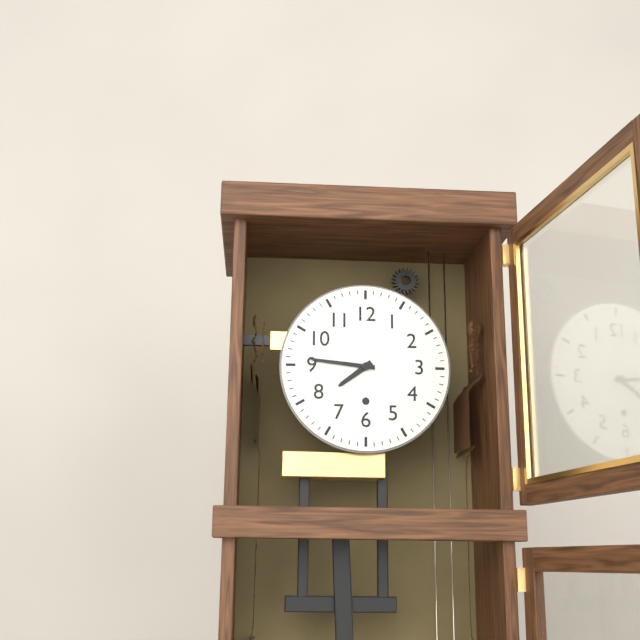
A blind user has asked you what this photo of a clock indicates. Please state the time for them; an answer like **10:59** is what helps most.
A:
**7:46**
